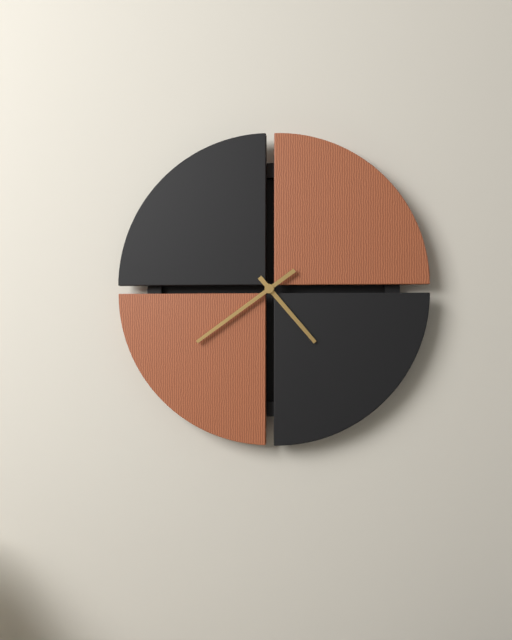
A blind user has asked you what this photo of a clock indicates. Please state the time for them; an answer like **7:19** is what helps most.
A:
**4:39**
